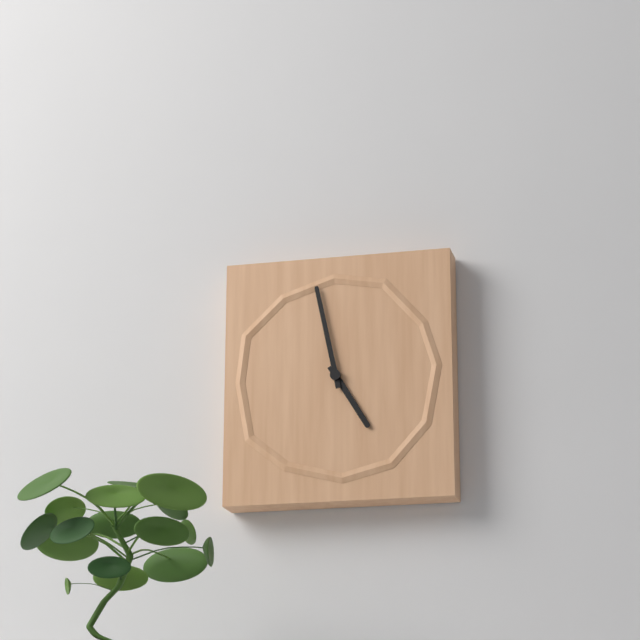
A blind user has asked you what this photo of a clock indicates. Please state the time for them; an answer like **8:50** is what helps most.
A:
**4:58**
